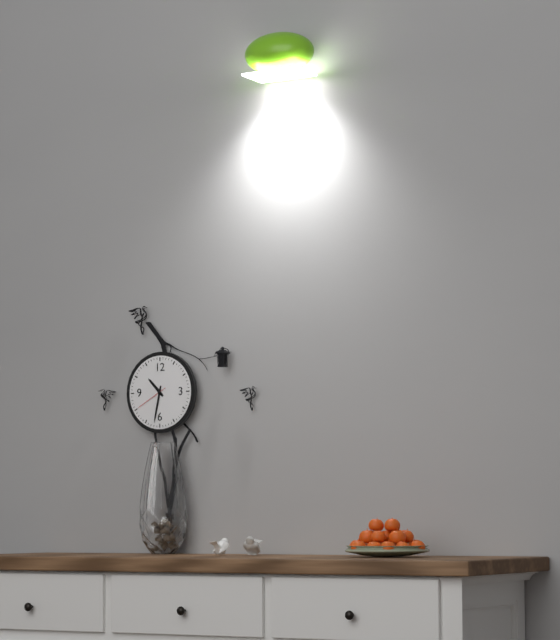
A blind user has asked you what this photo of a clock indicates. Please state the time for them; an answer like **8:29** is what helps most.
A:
**10:32**
